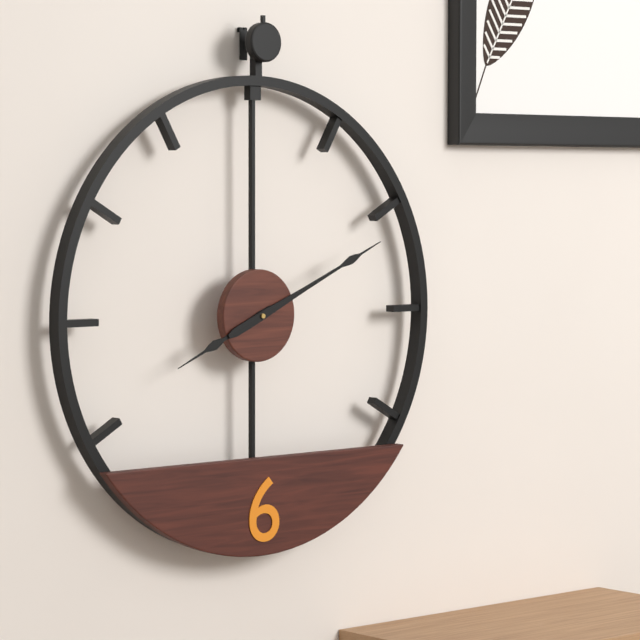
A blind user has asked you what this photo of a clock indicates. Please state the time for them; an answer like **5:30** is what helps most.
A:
**8:11**
